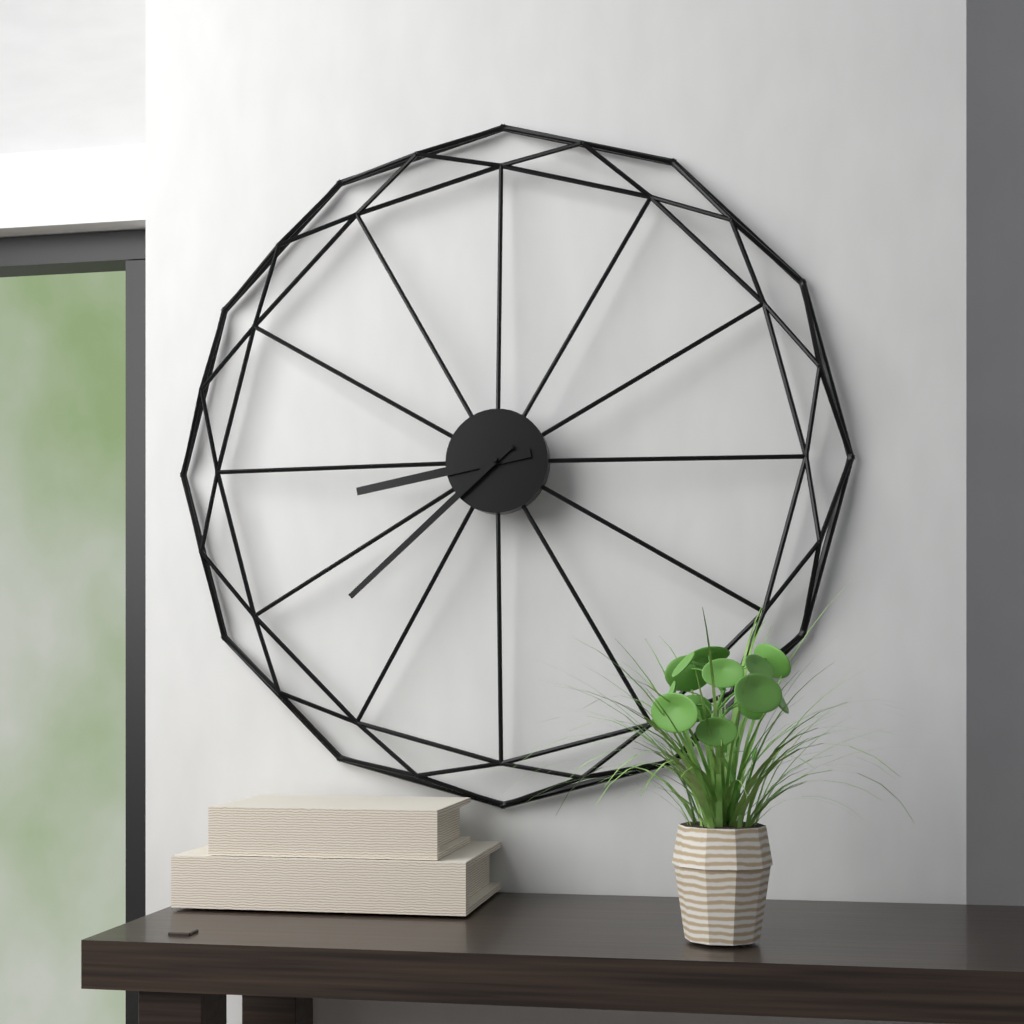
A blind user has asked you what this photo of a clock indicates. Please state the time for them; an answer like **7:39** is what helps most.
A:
**8:38**
